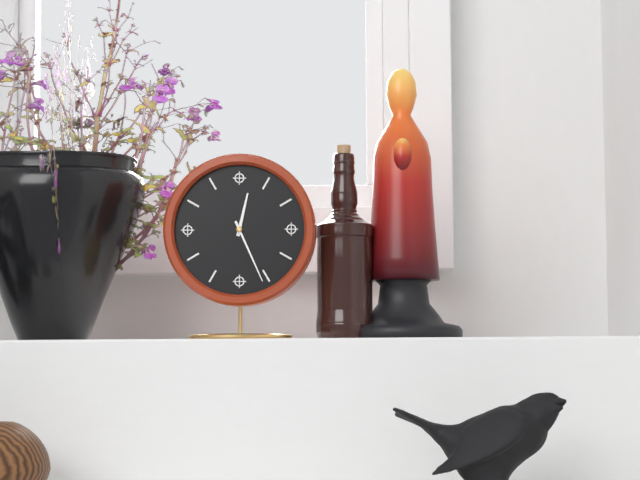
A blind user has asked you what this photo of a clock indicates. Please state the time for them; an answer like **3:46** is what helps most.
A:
**12:26**
